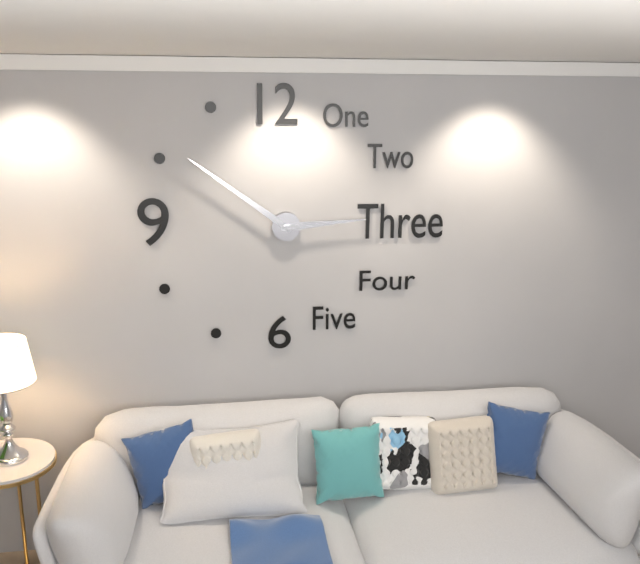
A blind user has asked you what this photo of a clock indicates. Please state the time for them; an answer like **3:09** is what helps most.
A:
**2:51**
